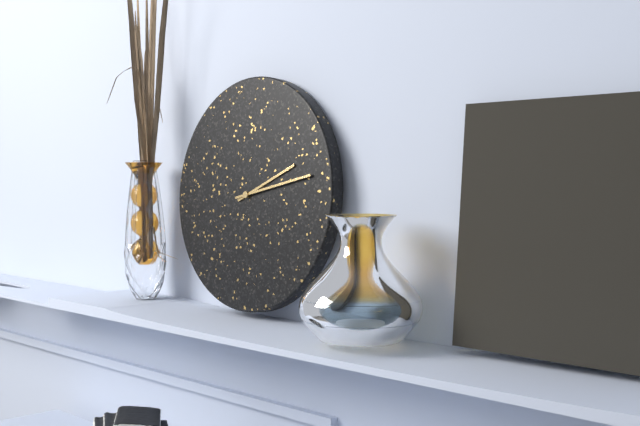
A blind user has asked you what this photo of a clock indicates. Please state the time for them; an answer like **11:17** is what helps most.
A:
**2:13**
